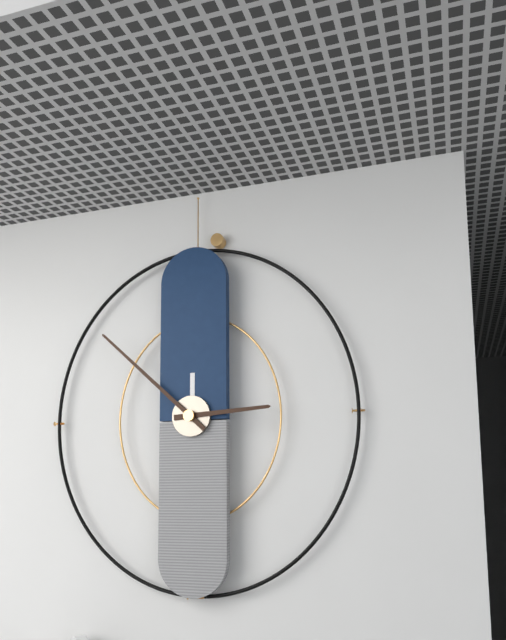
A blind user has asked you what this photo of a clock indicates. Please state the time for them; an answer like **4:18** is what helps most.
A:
**2:52**
